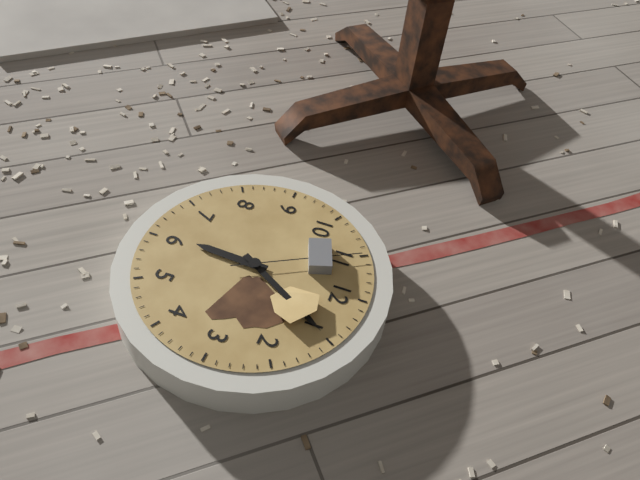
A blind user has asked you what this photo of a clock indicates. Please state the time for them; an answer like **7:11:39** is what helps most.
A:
**6:05:55**
